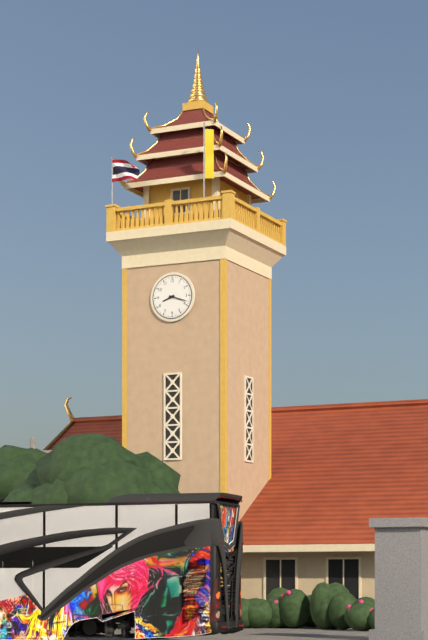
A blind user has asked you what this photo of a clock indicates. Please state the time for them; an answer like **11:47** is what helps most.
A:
**8:18**
